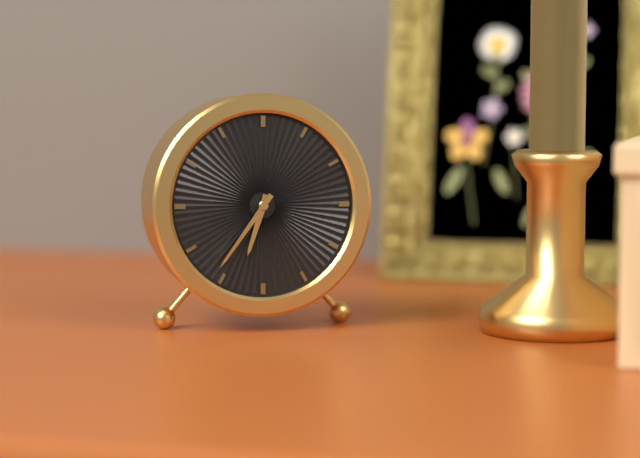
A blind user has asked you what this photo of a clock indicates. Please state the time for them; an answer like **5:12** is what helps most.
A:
**6:36**
